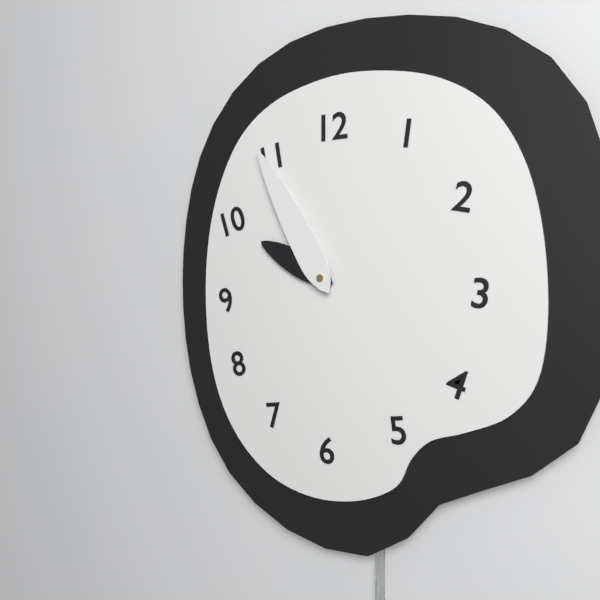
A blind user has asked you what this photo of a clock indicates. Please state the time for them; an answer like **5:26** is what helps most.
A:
**9:55**
